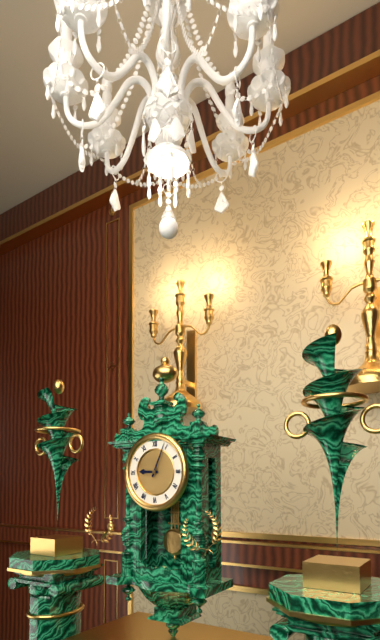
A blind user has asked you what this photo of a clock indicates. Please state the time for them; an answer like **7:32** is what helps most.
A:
**9:04**
